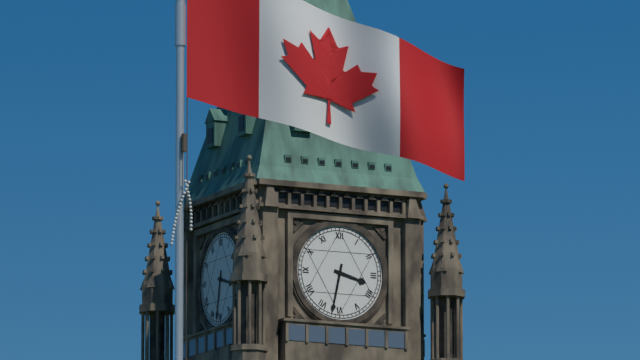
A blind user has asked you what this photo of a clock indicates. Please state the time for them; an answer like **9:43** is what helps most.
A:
**3:32**
